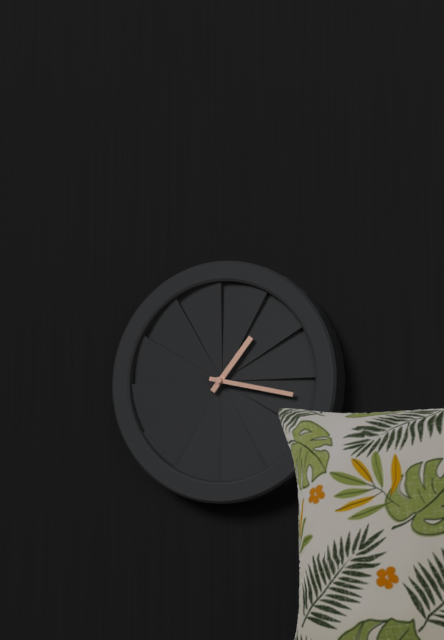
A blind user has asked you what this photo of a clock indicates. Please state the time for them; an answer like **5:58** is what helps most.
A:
**1:17**
